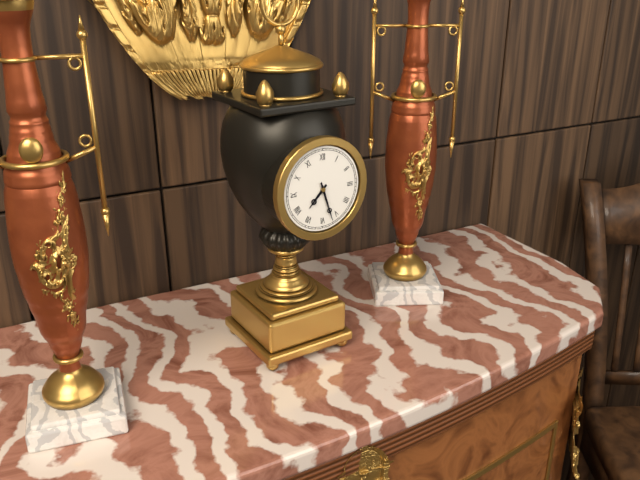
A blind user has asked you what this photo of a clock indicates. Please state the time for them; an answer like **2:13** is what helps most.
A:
**7:27**
